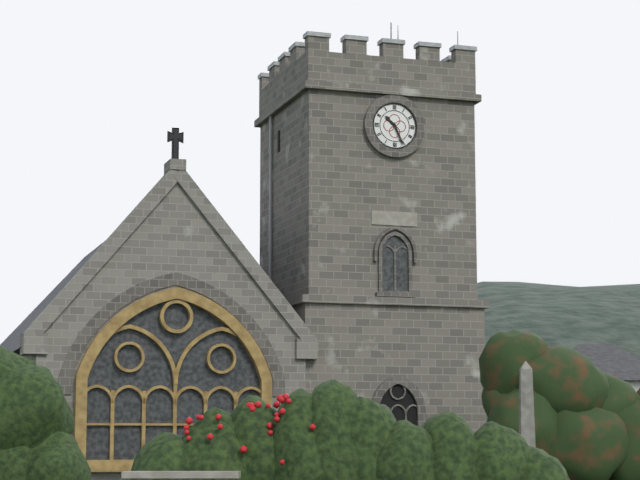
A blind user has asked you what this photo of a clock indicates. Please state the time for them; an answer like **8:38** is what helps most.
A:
**10:26**
